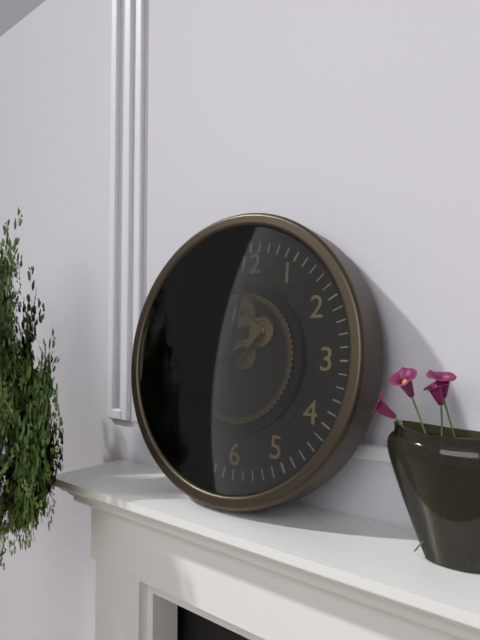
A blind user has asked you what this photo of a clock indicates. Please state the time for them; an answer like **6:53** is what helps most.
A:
**8:01**
